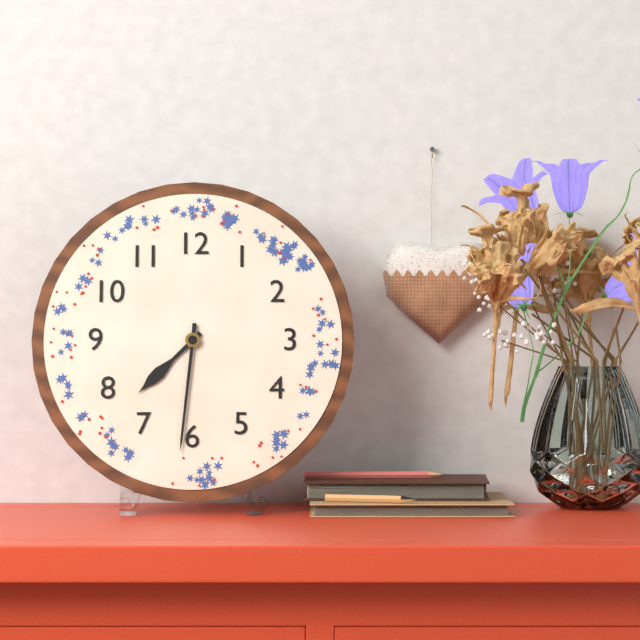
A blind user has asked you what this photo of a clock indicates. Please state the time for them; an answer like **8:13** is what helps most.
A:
**7:31**
